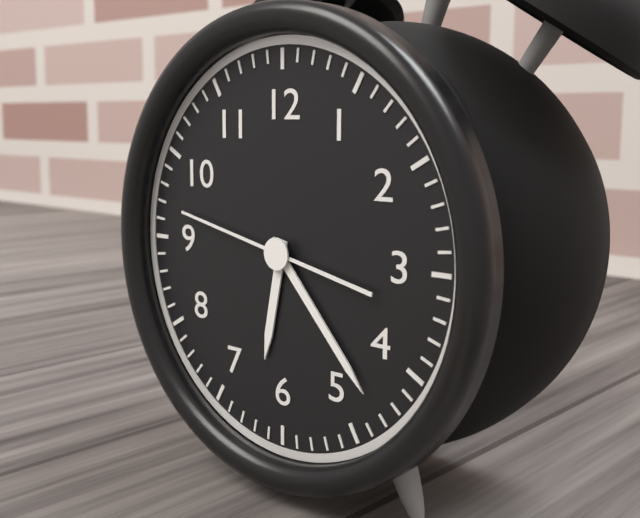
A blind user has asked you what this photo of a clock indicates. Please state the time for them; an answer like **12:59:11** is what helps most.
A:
**6:23:47**
